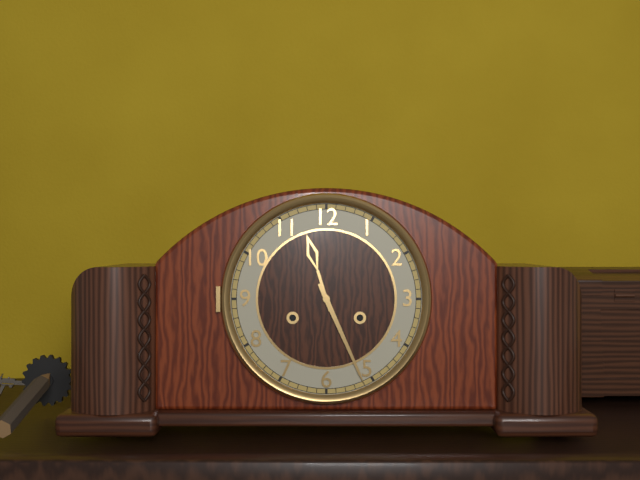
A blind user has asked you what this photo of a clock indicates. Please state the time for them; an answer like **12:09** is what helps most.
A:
**11:26**
